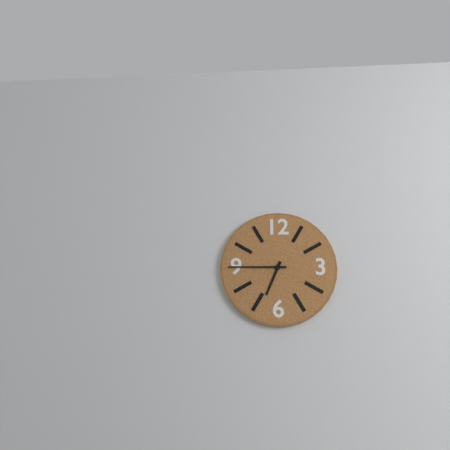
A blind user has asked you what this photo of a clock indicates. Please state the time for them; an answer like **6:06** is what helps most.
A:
**6:45**
